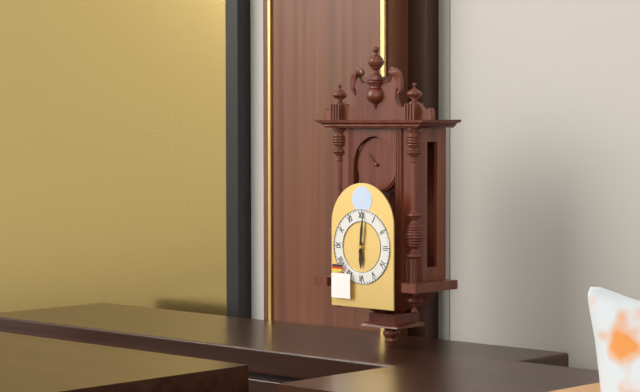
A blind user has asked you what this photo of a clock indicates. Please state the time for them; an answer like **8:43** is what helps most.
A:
**6:01**
